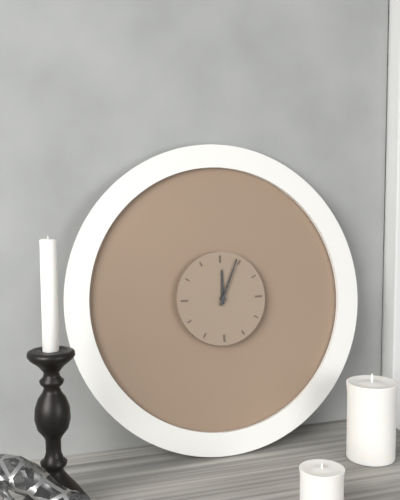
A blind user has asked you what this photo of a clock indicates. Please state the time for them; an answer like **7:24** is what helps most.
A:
**12:04**
